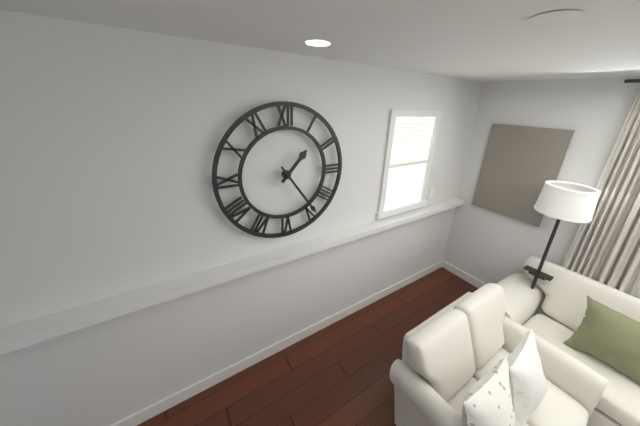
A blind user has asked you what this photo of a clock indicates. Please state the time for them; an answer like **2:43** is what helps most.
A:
**1:24**
